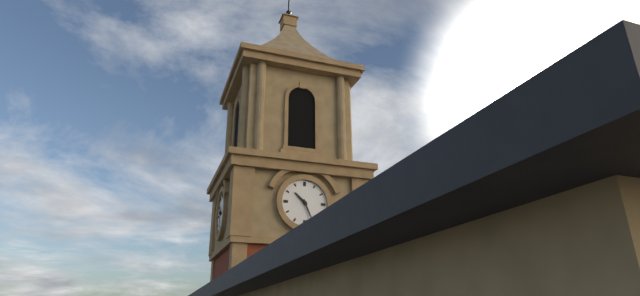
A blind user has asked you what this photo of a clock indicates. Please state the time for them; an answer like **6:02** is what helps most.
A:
**10:26**
